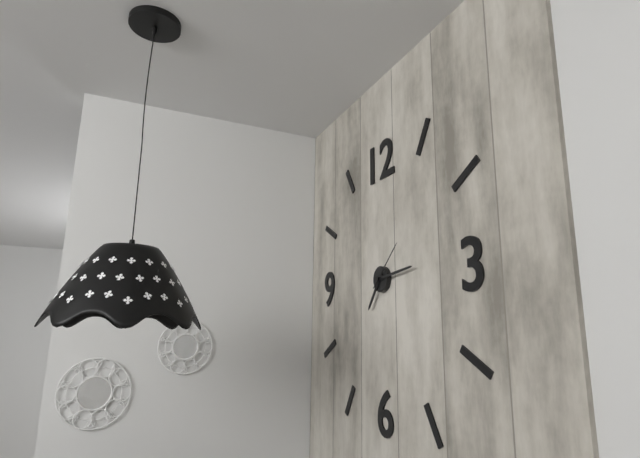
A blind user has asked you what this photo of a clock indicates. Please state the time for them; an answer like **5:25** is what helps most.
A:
**7:14**
